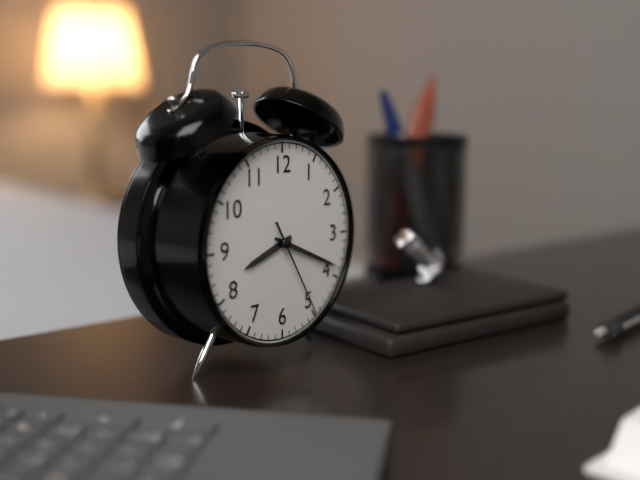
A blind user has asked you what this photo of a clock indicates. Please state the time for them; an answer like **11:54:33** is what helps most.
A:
**8:19:25**
